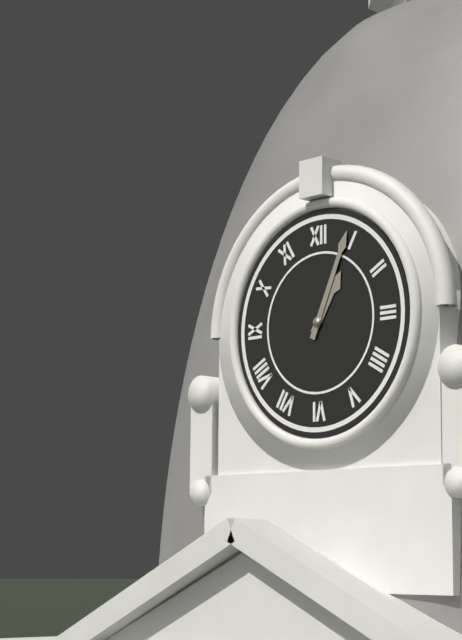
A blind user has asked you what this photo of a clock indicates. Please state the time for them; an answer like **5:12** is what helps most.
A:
**1:04**
